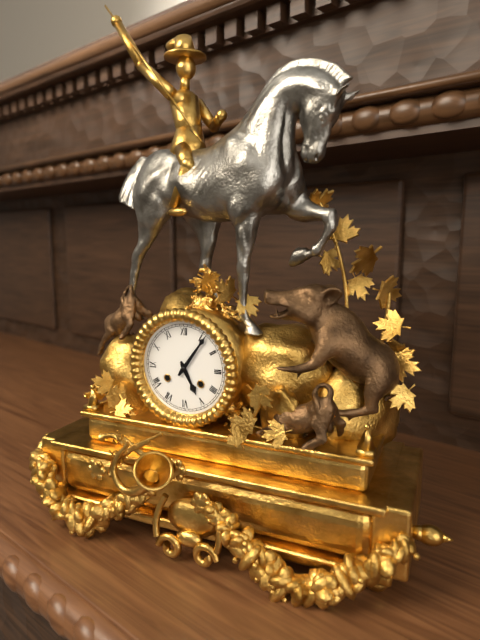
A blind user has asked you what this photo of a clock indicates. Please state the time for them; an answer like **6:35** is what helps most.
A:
**5:06**
